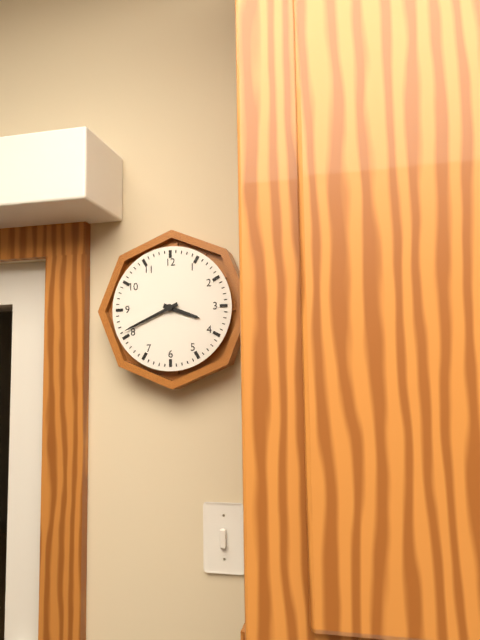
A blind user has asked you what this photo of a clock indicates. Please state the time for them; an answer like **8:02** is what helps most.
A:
**3:41**
